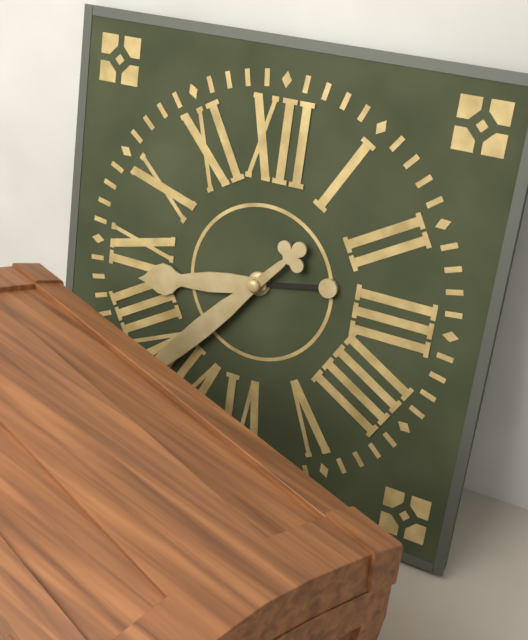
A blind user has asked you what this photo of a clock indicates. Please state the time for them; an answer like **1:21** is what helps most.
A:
**8:37**
